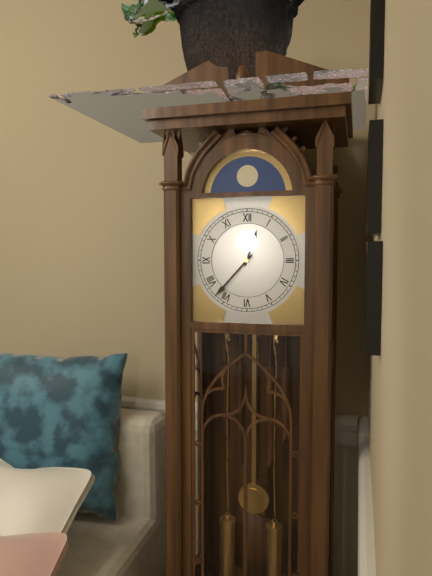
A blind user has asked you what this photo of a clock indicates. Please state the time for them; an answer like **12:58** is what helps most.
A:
**12:37**
